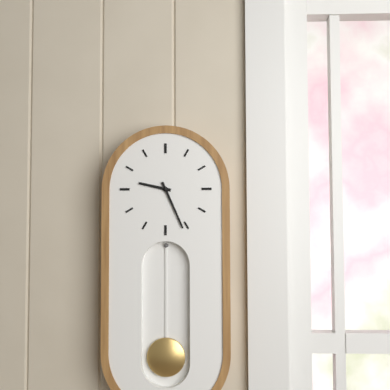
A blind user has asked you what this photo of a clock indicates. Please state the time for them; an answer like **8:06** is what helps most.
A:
**9:26**
